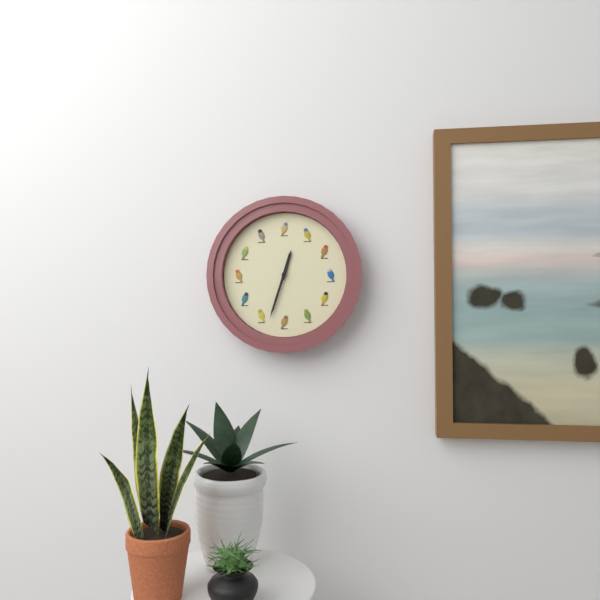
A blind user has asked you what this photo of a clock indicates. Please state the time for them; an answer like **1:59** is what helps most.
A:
**12:33**
